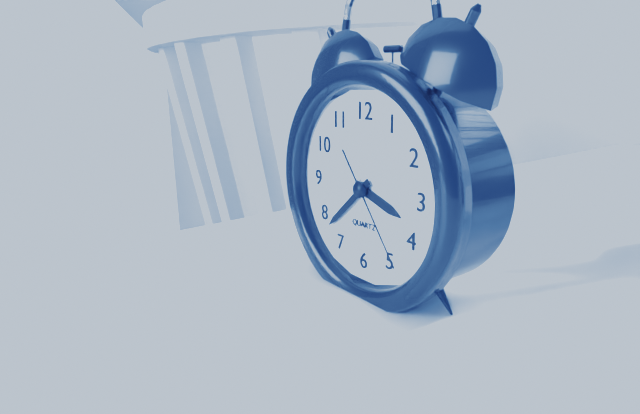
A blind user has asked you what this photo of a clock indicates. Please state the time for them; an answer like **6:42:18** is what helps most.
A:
**3:38:24**
